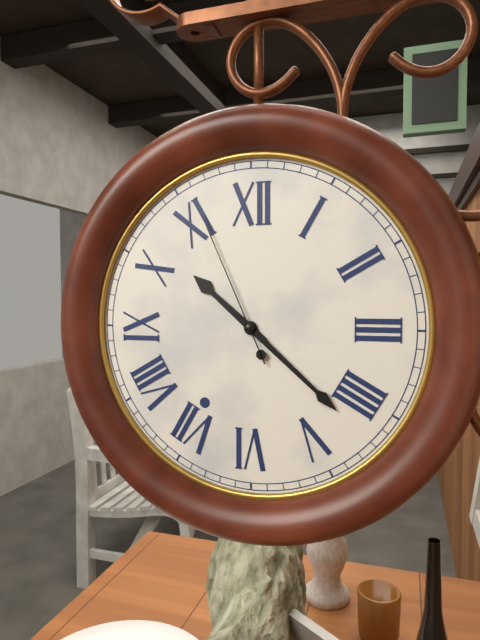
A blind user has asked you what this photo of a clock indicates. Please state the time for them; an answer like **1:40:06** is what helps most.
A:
**10:22:56**
